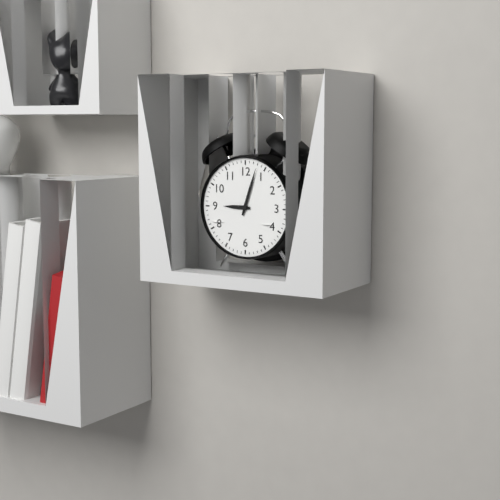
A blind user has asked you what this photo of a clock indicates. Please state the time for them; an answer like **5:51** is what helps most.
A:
**9:03**
